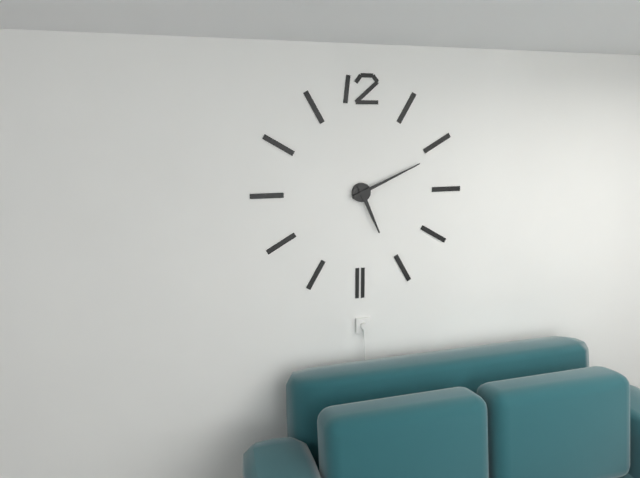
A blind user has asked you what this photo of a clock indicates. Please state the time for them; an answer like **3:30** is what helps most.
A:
**5:11**
